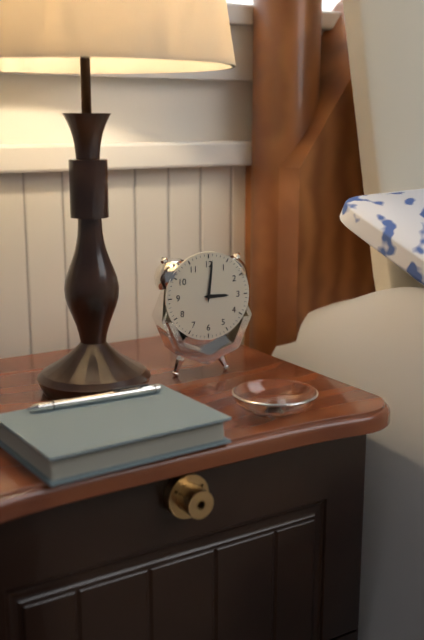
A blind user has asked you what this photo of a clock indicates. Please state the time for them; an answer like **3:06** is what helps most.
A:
**3:01**
